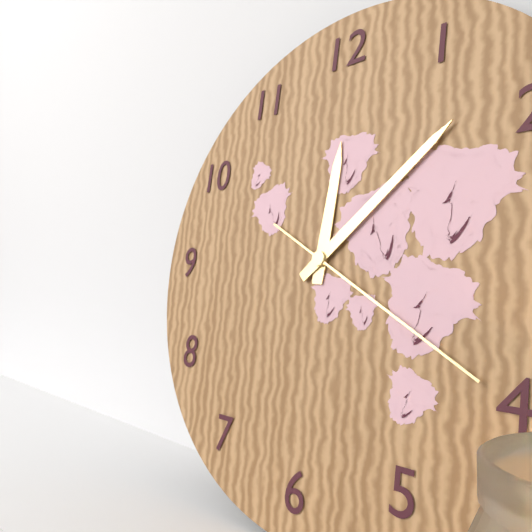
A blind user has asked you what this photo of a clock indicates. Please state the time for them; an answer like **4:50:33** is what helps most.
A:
**12:08:20**
